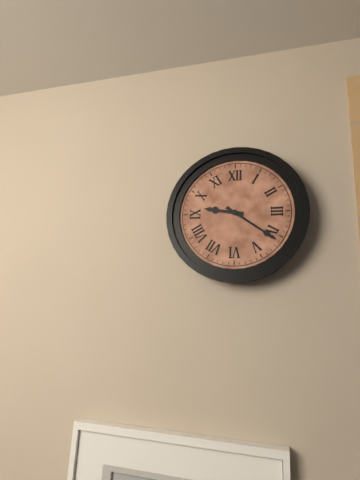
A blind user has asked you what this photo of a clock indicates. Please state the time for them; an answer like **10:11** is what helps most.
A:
**9:21**
